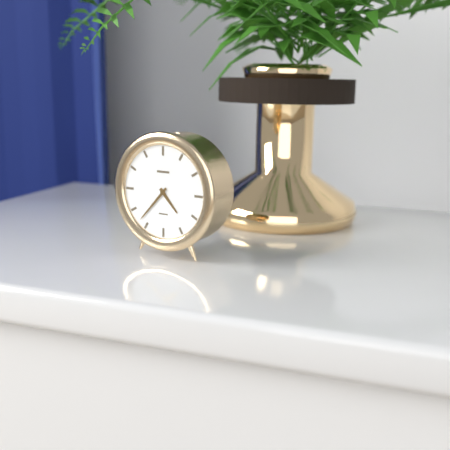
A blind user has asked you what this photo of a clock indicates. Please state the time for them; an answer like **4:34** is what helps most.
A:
**4:37**
